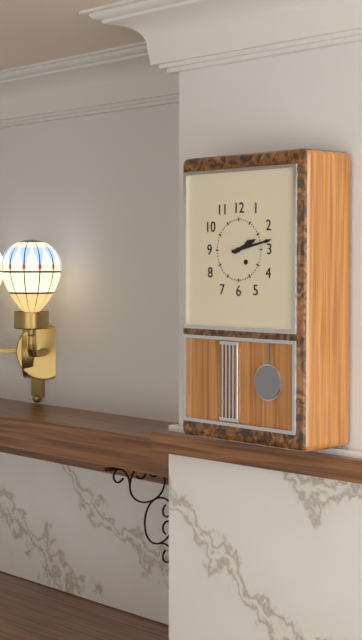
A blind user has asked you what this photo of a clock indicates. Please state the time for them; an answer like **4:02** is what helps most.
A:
**2:13**
